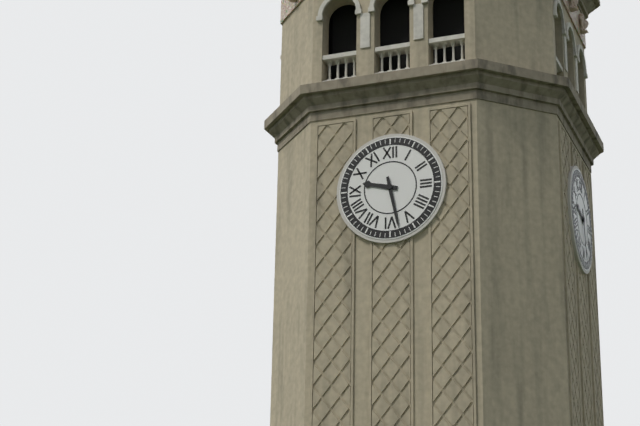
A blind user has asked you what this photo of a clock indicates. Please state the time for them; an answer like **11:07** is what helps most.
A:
**9:28**
